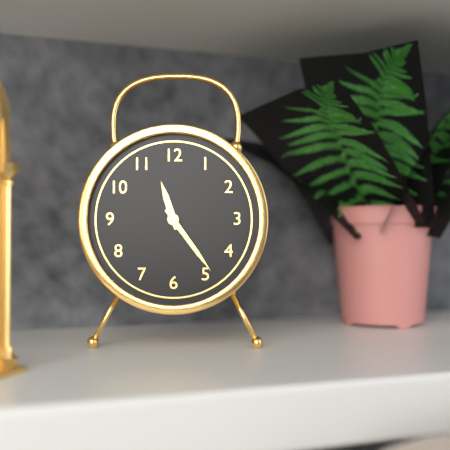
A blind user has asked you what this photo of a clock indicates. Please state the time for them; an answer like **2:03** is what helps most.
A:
**11:24**
